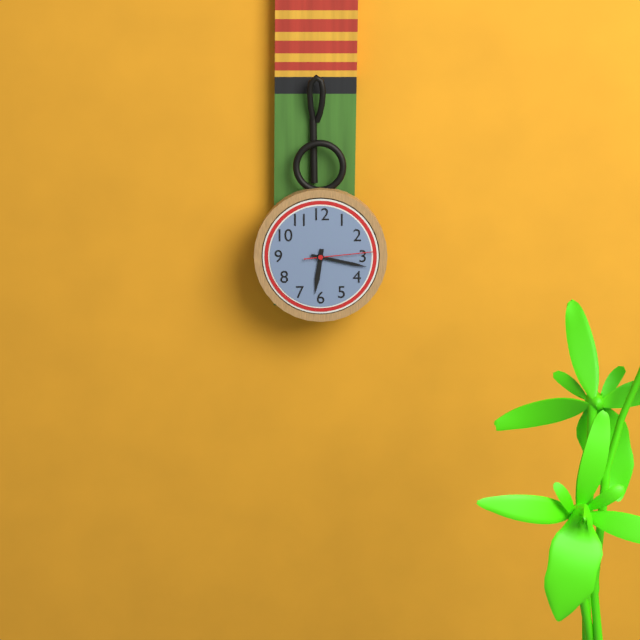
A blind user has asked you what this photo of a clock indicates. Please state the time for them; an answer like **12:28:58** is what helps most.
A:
**6:17:14**
